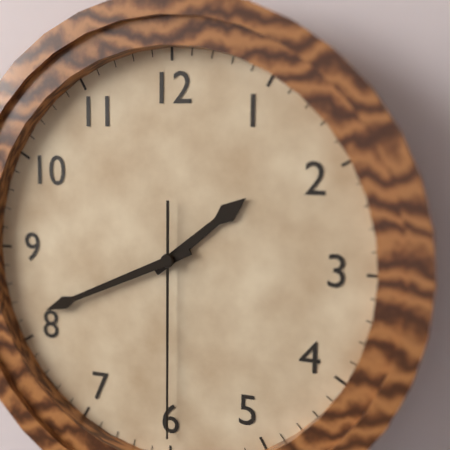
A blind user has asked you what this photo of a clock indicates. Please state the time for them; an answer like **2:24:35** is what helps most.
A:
**1:41:30**
